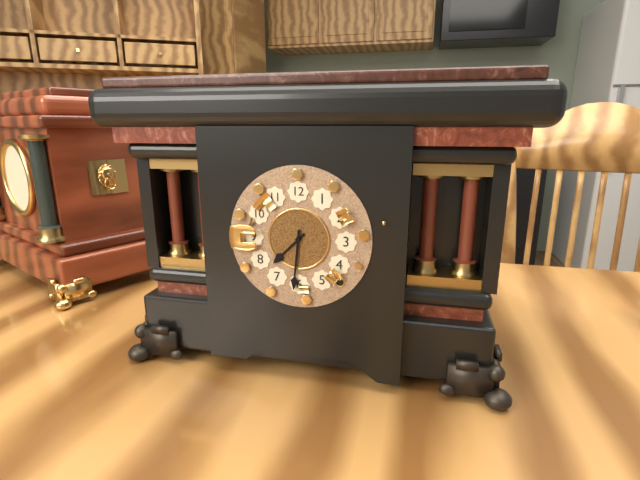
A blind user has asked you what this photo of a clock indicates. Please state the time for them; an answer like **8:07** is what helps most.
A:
**7:31**
